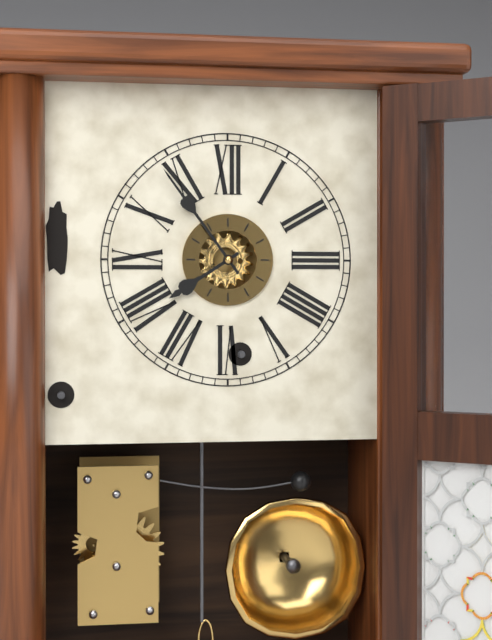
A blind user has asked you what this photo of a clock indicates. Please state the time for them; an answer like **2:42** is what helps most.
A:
**7:54**
